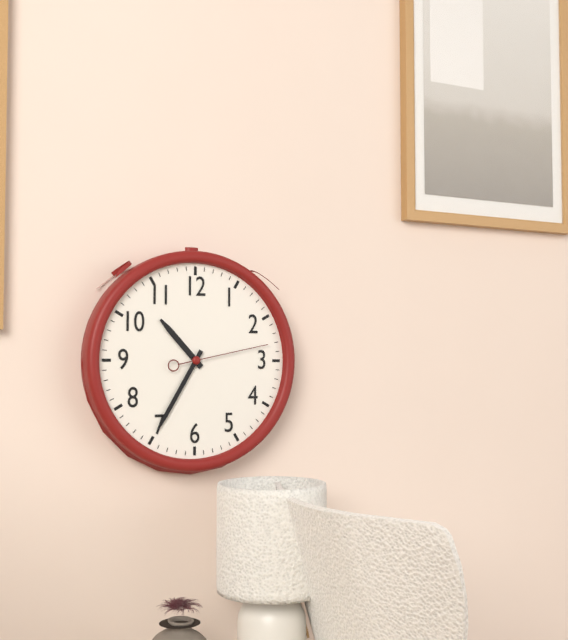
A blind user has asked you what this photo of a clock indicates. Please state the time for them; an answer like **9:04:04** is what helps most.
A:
**10:35:13**
